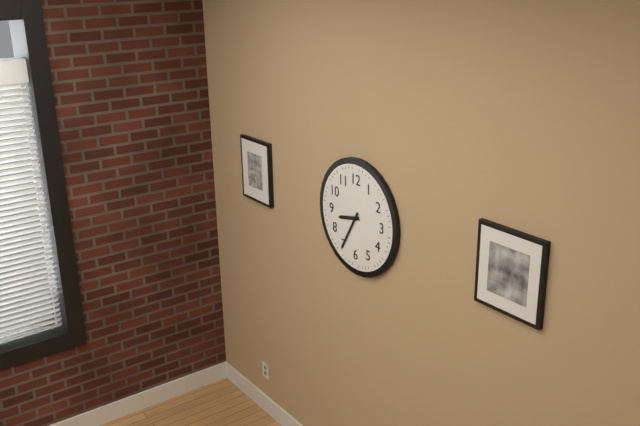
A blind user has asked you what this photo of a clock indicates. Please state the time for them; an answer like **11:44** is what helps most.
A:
**8:35**
